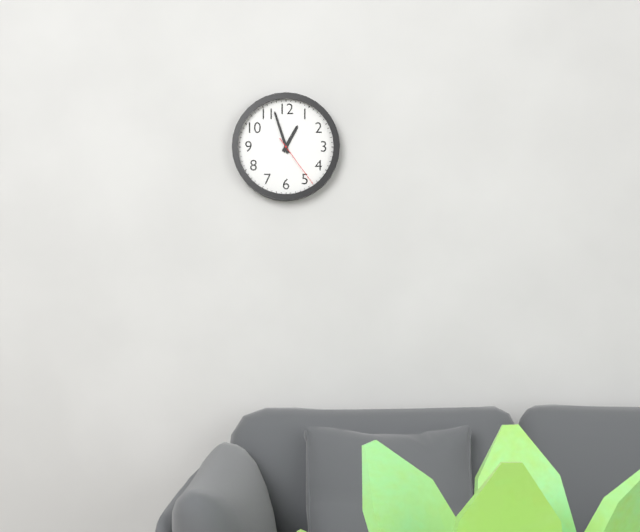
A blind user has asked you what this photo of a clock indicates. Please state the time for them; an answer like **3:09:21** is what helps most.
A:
**12:57:24**
